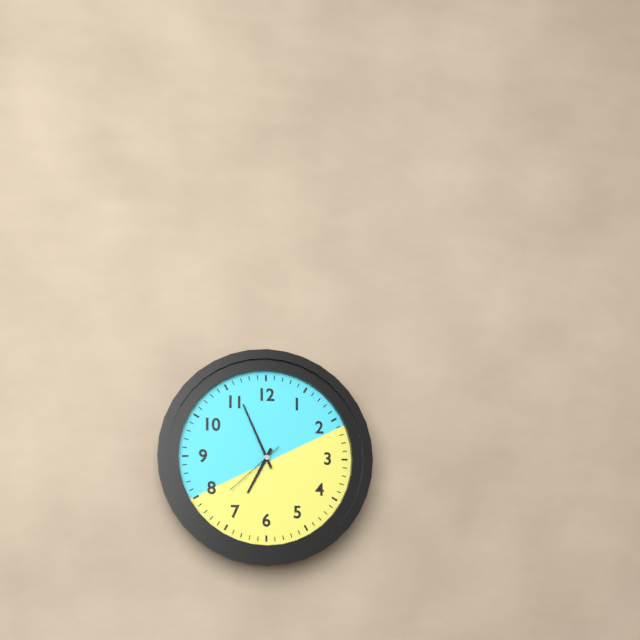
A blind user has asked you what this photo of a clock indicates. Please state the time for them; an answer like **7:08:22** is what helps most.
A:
**6:56:38**
